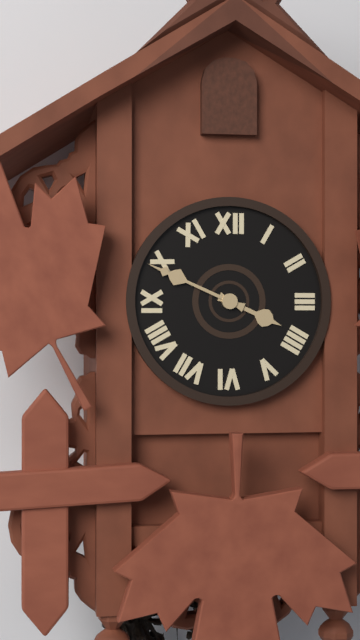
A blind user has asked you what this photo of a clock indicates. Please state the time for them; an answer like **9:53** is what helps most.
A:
**3:49**
